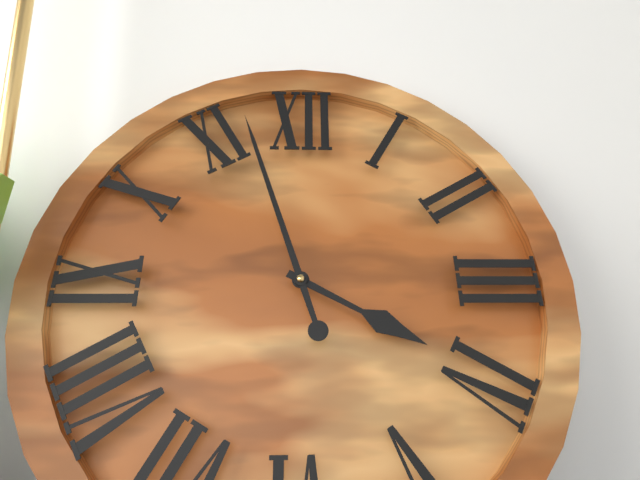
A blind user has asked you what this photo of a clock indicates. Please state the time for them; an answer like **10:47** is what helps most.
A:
**3:57**
